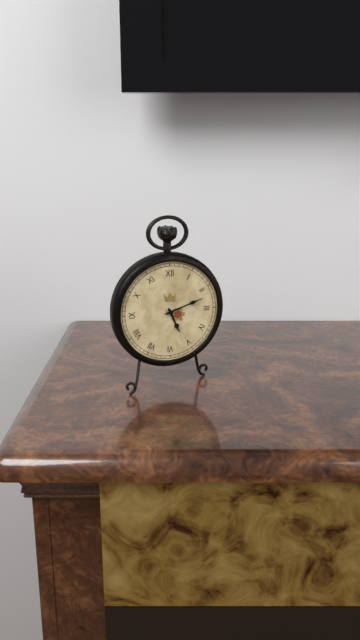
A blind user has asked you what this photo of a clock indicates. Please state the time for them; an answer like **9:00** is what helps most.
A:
**5:12**
